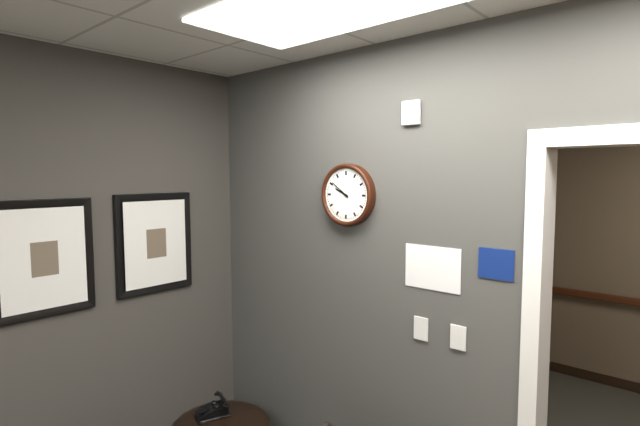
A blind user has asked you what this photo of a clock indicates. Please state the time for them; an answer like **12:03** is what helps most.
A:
**9:51**
